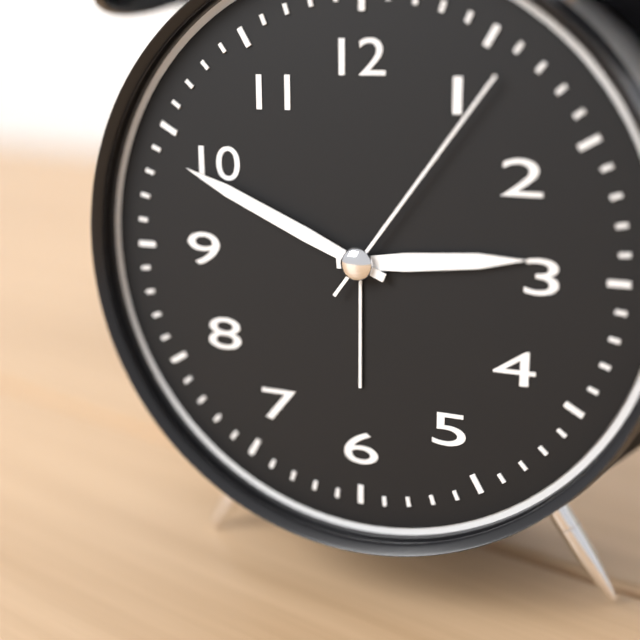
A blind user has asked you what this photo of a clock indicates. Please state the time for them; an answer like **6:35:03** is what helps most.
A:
**2:49:06**
